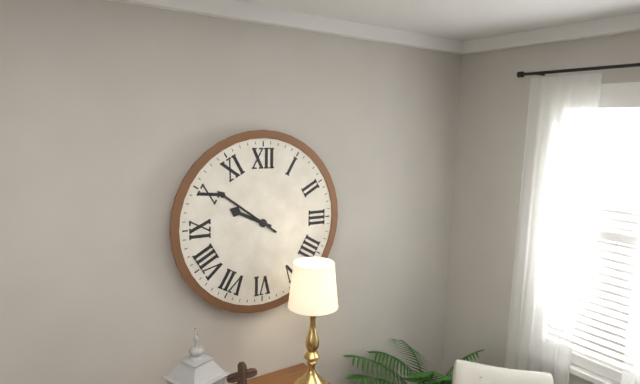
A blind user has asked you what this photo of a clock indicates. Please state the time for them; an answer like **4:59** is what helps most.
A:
**9:51**
